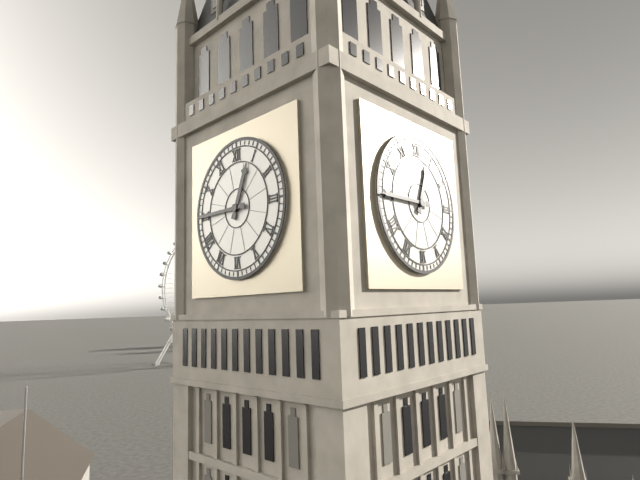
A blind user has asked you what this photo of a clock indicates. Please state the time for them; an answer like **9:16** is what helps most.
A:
**12:45**
